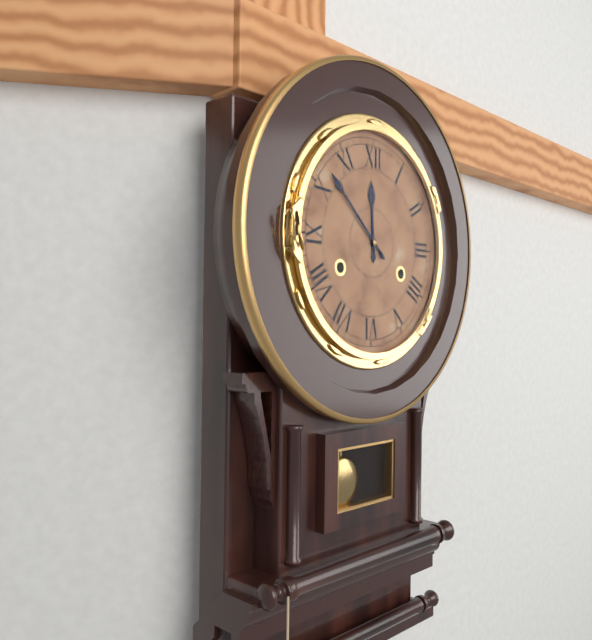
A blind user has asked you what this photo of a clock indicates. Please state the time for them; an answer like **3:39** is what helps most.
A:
**11:52**
